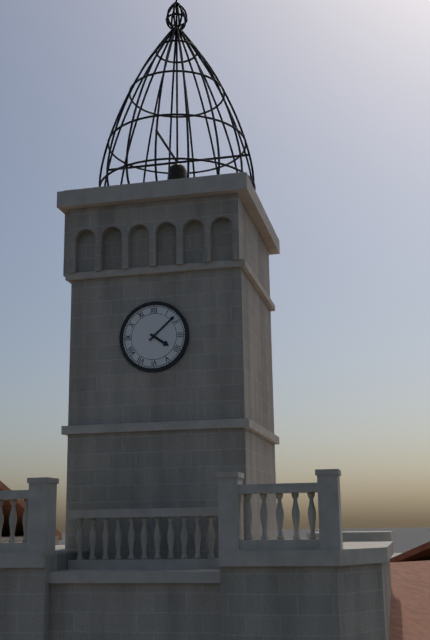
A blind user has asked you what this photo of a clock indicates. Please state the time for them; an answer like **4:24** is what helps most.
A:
**4:08**
